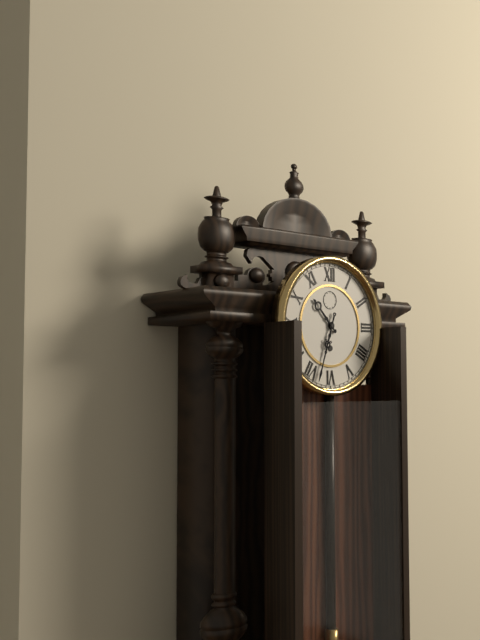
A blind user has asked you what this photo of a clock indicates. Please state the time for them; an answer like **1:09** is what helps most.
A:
**10:33**
